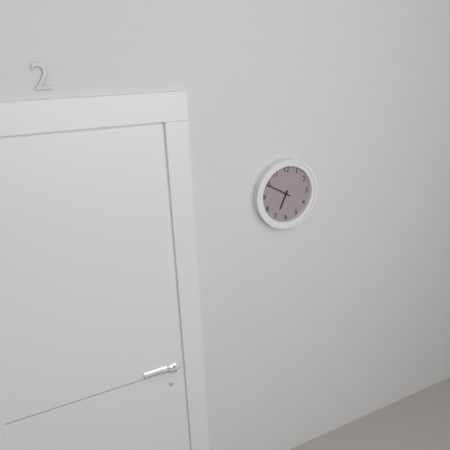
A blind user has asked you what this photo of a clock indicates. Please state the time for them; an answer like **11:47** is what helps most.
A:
**6:50**
